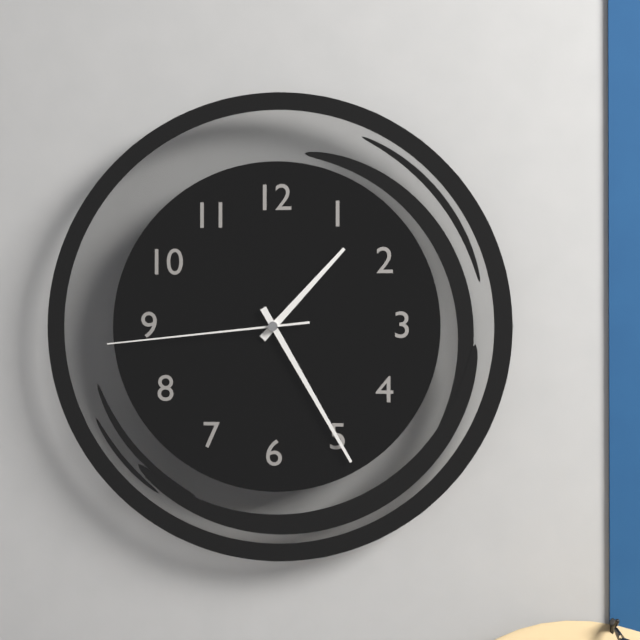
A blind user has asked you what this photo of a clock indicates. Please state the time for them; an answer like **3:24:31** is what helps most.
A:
**1:25:44**
